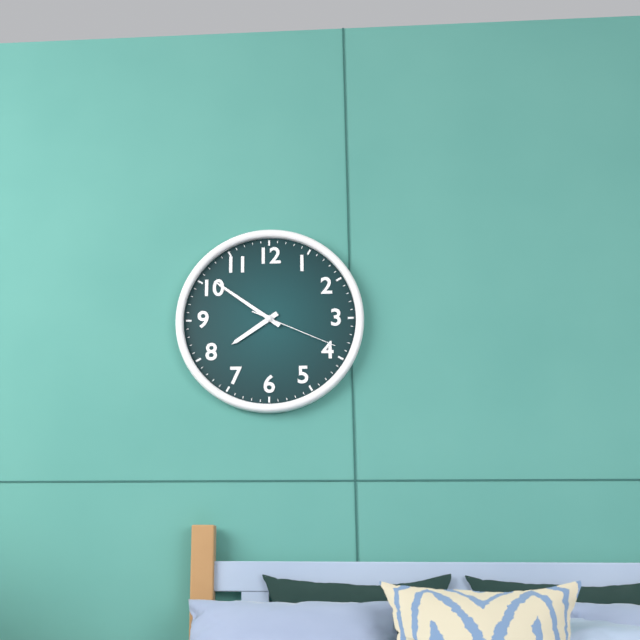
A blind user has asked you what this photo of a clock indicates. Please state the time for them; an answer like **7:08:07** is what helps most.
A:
**7:51:19**
